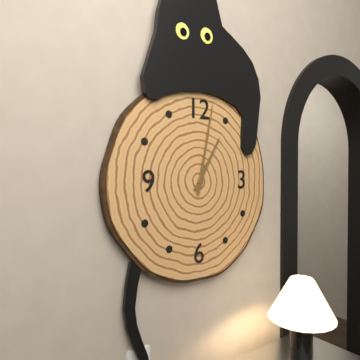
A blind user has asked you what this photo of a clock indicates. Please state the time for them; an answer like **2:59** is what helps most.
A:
**1:02**
